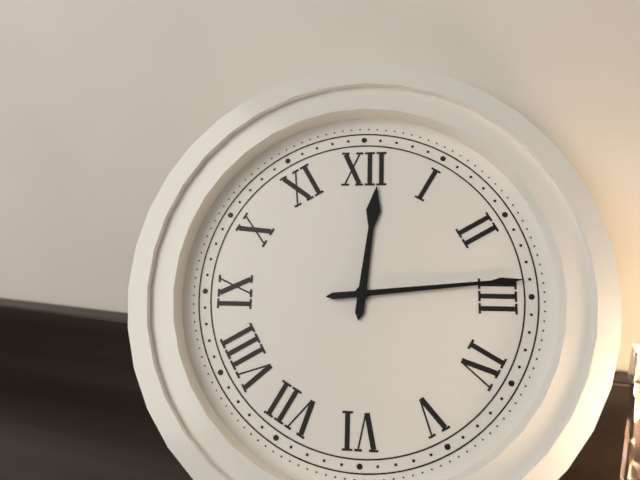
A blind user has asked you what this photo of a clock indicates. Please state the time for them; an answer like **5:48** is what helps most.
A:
**12:14**
